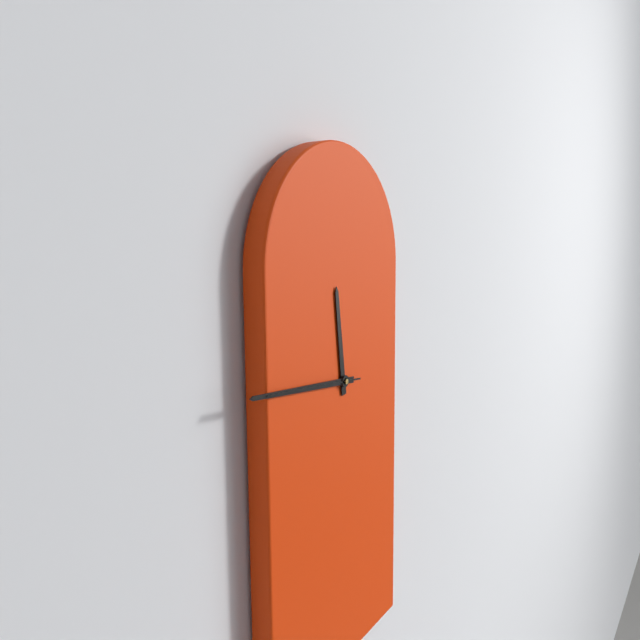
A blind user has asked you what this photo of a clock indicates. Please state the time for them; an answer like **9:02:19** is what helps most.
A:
**11:46:46**
